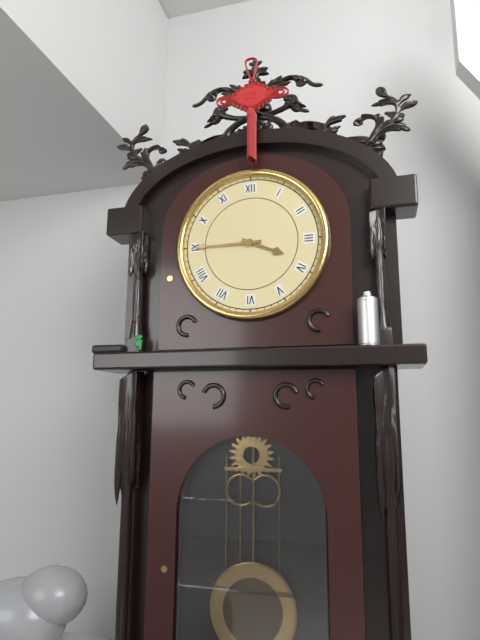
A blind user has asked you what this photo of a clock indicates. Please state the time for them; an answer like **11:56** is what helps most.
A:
**3:45**
